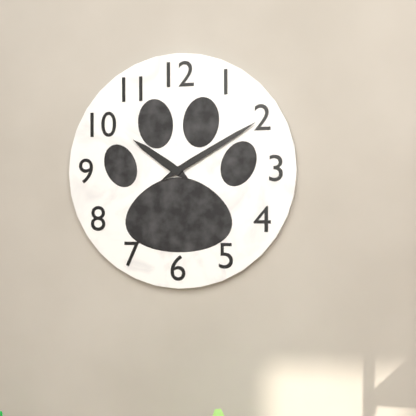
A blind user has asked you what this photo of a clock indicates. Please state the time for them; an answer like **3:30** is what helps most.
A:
**10:10**
